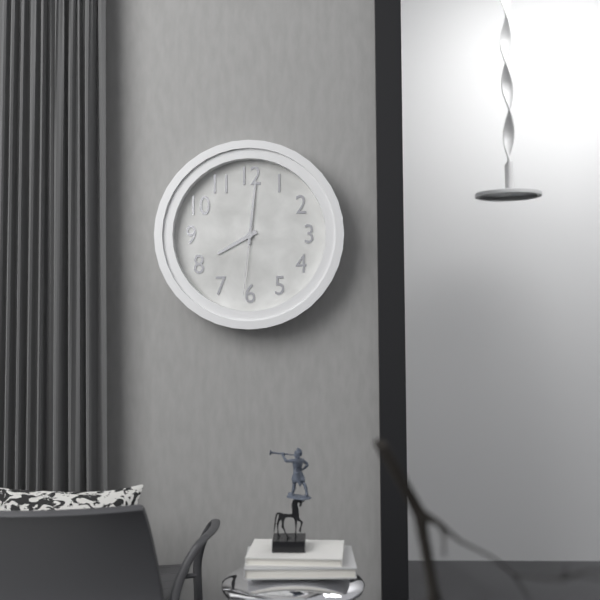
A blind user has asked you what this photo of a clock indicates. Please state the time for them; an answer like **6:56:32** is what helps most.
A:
**8:01:31**
